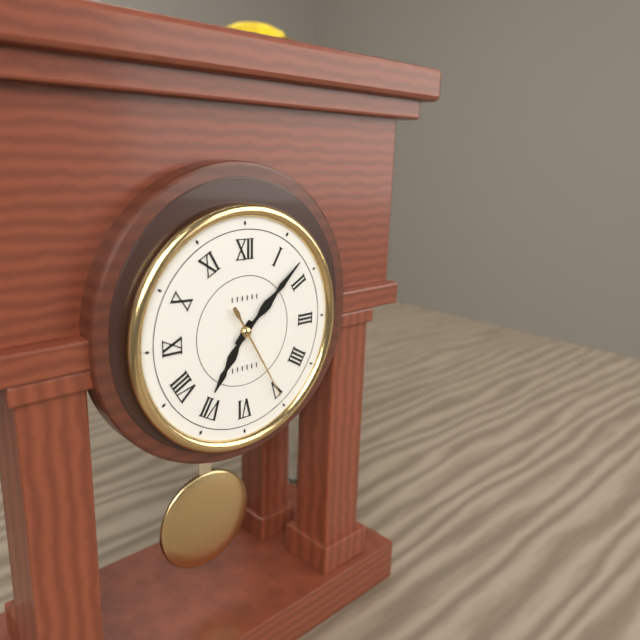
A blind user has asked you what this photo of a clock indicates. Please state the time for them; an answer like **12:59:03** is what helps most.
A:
**7:08:25**
